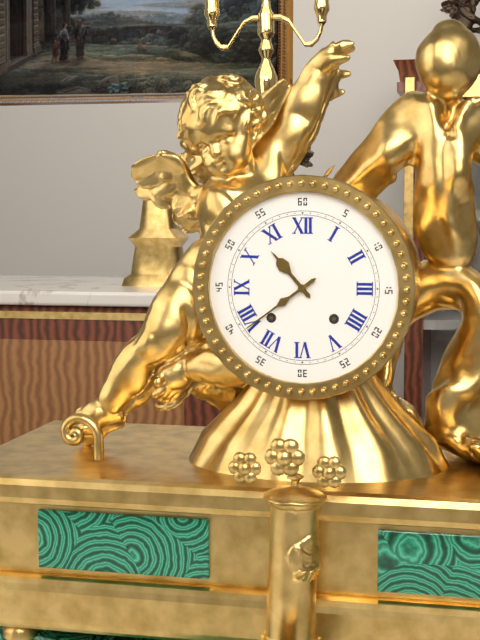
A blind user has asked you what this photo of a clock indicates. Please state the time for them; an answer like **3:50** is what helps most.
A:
**10:39**
